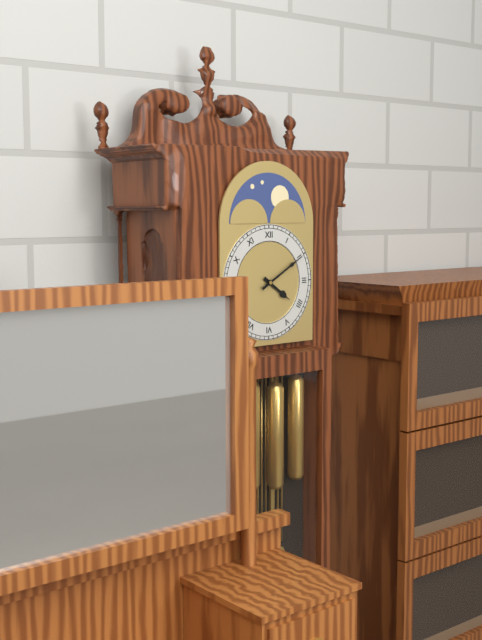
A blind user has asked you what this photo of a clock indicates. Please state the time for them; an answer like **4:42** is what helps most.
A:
**4:10**
